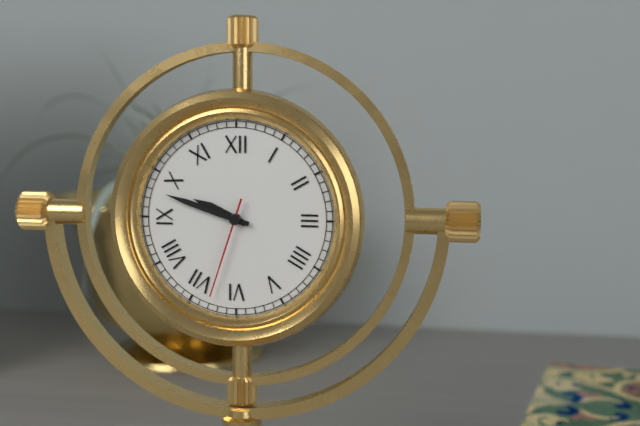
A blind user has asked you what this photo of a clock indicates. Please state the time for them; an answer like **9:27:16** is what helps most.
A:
**9:48:33**
